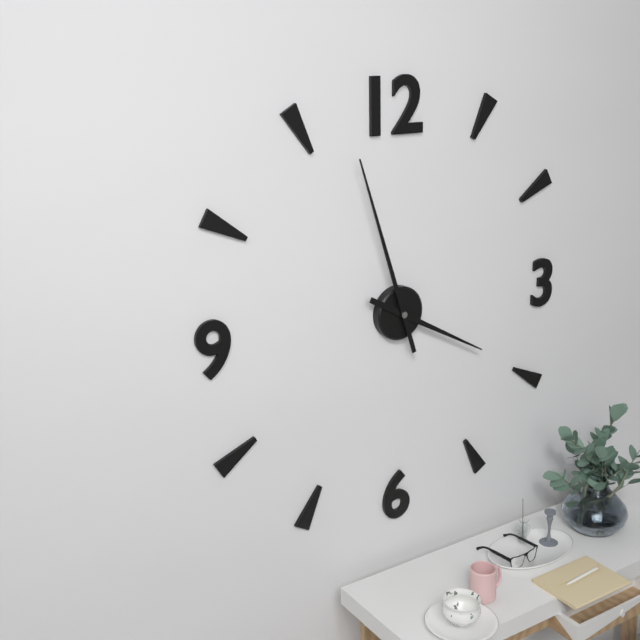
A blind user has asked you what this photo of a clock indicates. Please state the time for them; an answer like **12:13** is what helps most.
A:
**3:57**
